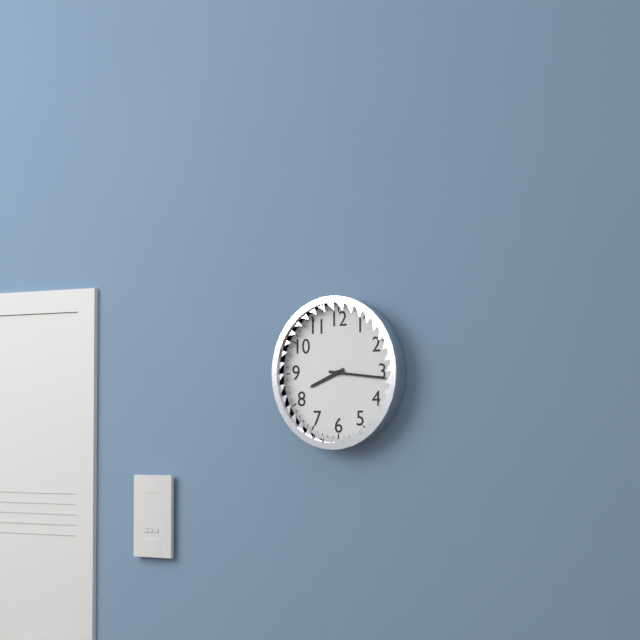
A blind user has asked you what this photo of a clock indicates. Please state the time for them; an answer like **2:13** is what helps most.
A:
**8:16**
